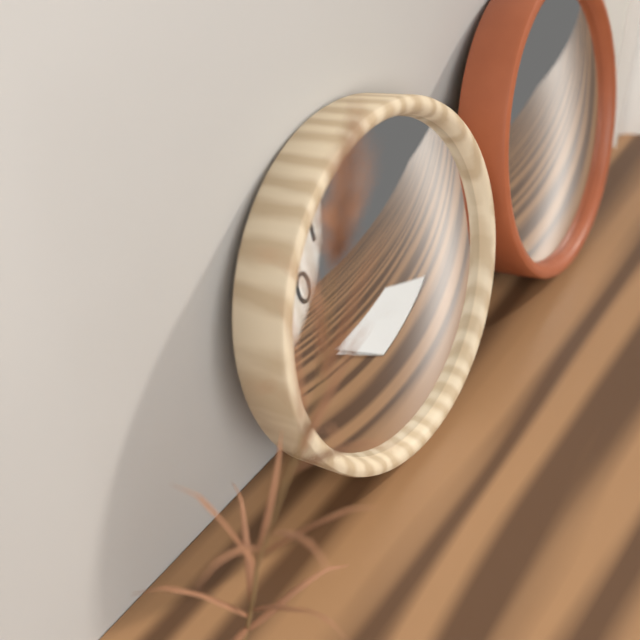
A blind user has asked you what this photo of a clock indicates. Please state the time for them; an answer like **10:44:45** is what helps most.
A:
**4:09:35**
